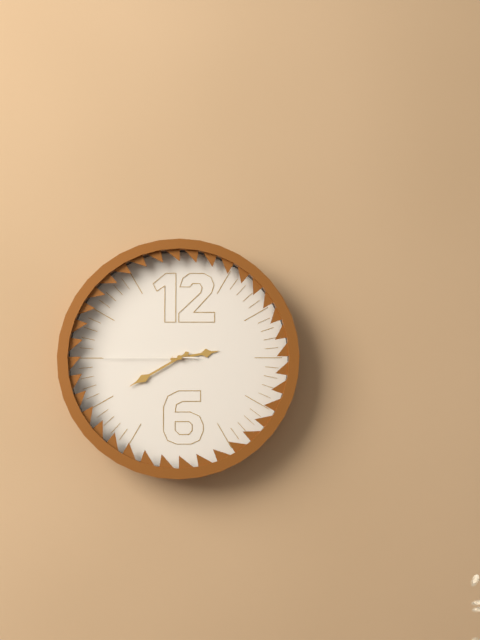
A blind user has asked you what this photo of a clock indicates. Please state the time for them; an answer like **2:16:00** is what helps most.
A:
**2:40:45**
